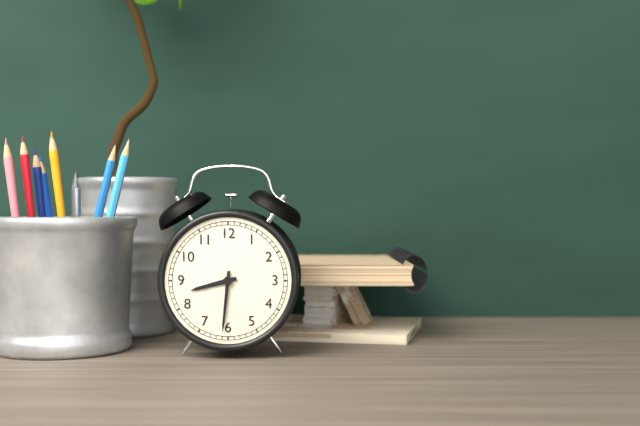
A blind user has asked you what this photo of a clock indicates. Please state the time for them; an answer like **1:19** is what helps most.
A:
**8:31**
